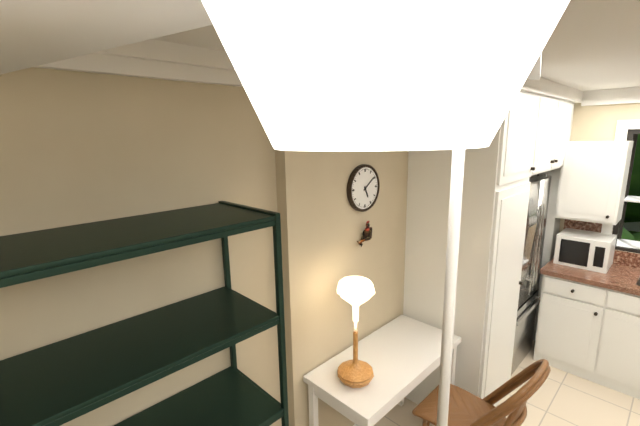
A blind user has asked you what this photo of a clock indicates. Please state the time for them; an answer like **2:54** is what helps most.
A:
**5:09**
